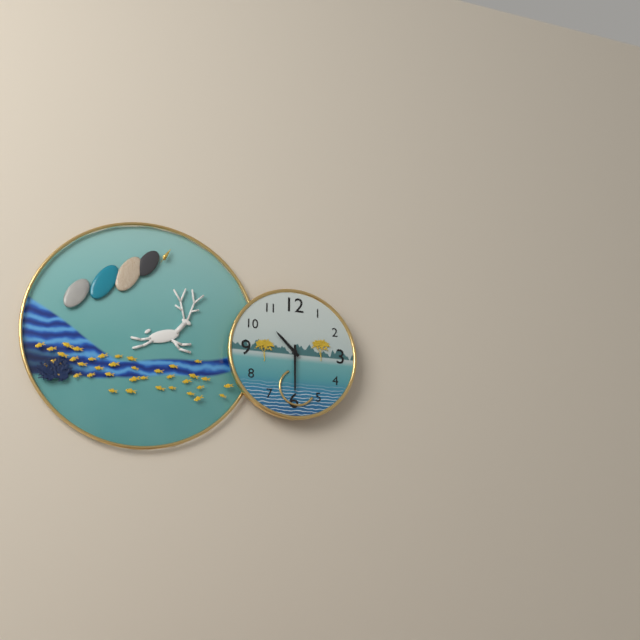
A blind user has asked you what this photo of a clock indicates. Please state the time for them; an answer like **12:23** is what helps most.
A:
**10:30**
